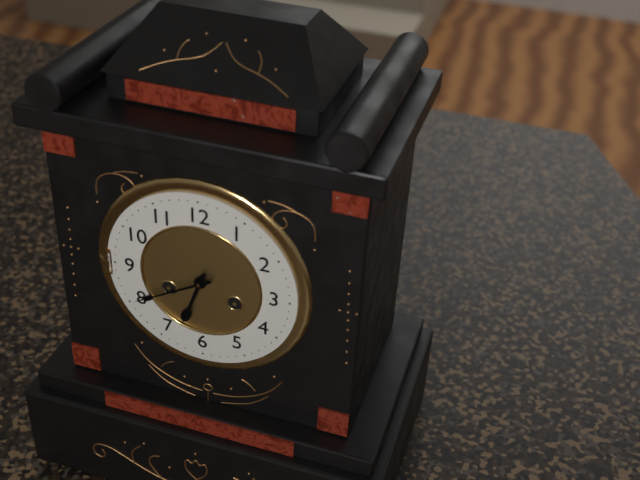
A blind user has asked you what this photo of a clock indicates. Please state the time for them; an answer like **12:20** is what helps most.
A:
**6:40**
